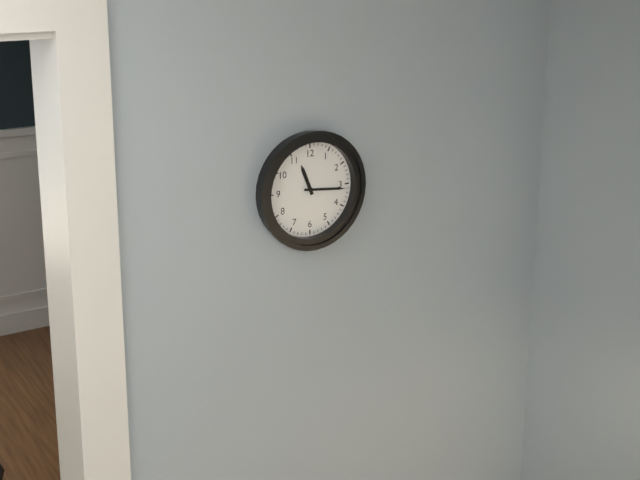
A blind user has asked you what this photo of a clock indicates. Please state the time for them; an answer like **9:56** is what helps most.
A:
**11:16**
